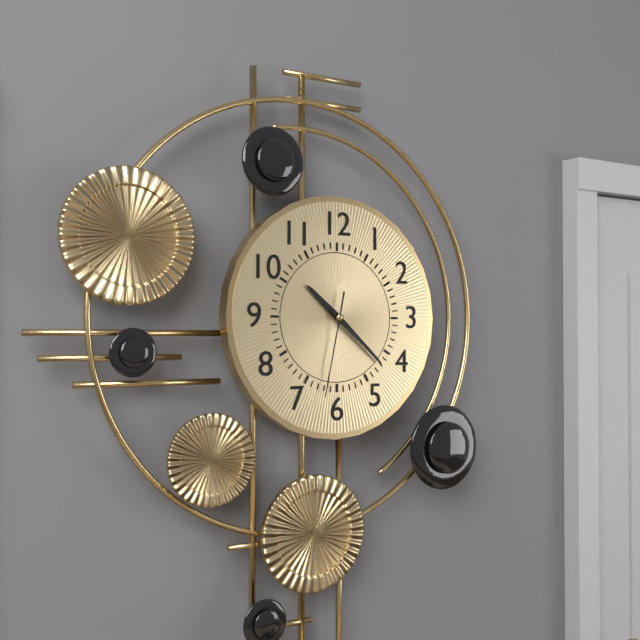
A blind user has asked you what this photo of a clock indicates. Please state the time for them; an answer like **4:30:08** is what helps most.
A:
**10:22:32**
